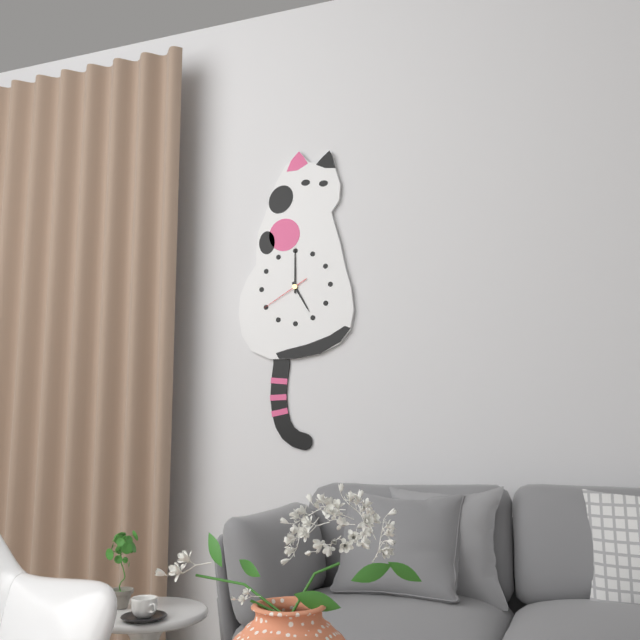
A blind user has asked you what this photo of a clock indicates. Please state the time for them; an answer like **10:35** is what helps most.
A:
**5:00**
